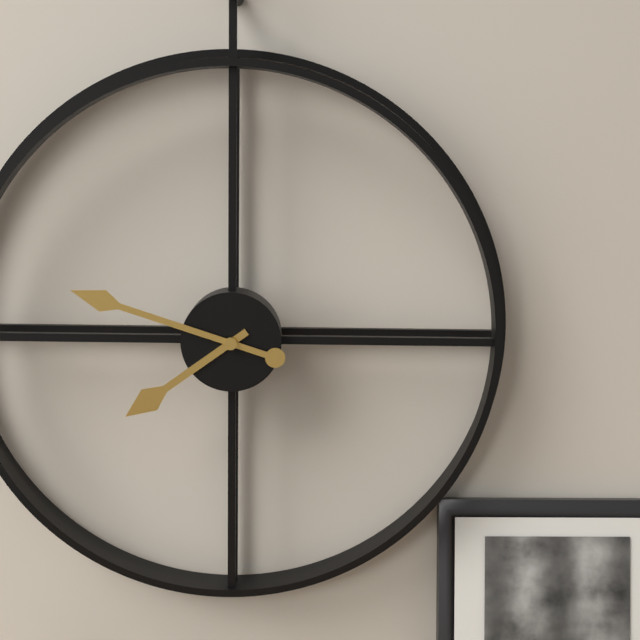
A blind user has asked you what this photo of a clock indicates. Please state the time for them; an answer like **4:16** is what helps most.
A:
**7:48**
